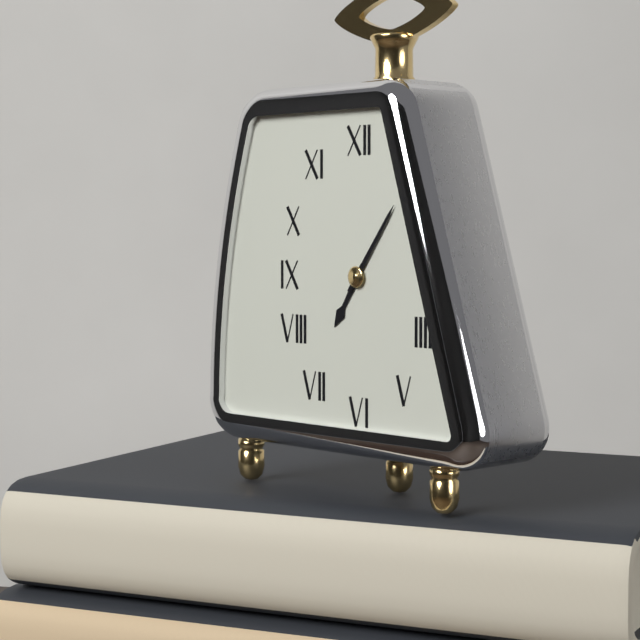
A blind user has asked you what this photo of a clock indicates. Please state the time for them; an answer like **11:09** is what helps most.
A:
**7:06**
